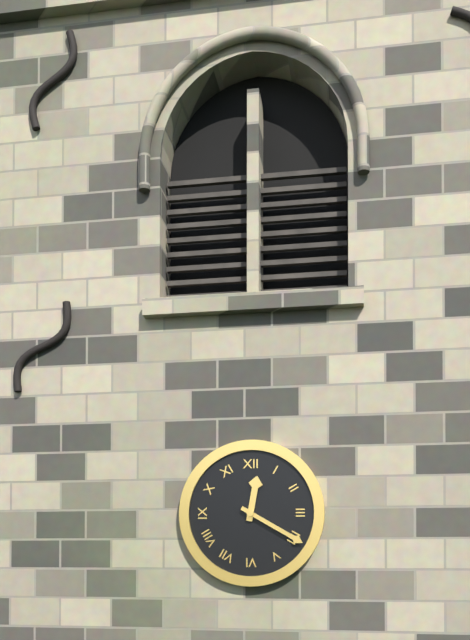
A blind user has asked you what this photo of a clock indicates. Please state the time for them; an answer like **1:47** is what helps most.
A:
**12:20**
